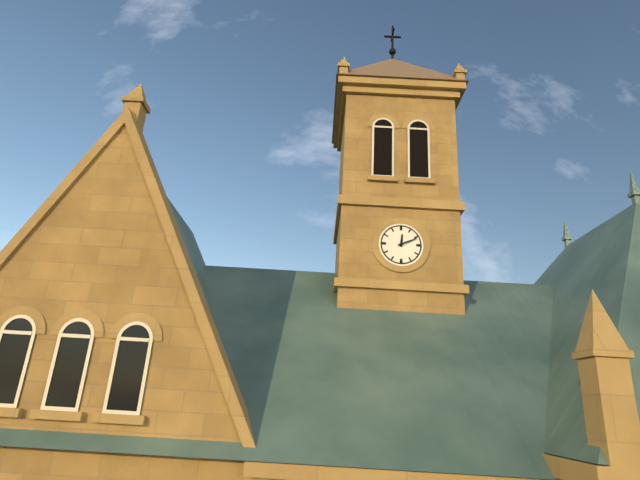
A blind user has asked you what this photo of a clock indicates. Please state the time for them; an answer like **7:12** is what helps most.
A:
**12:11**
